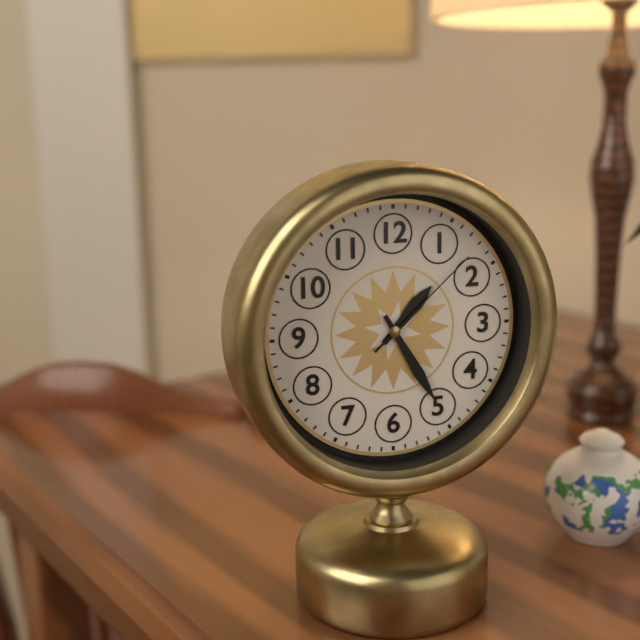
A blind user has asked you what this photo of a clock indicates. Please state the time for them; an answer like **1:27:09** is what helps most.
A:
**1:25:08**
